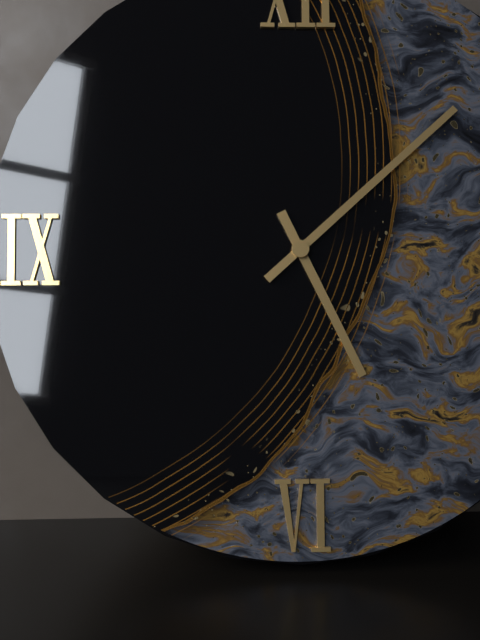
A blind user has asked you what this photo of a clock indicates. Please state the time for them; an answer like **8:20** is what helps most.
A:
**5:08**
